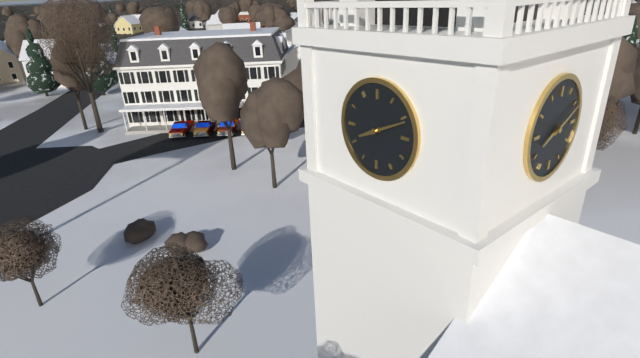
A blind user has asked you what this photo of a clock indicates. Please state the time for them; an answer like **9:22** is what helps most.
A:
**8:11**
